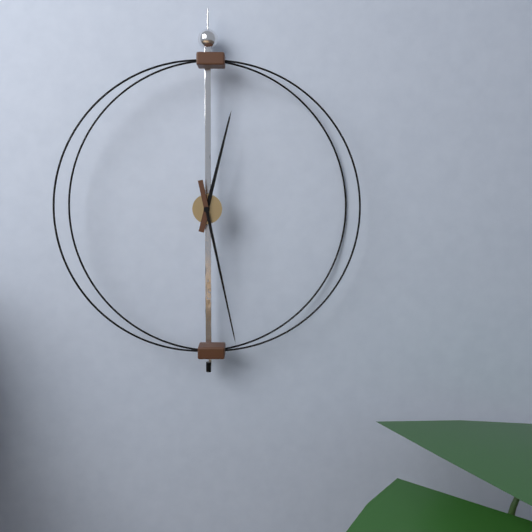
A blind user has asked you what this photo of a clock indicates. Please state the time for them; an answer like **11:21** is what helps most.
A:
**12:28**
